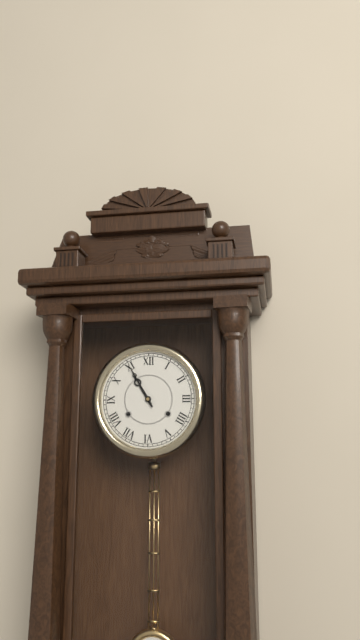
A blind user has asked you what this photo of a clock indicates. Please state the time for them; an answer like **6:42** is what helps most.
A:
**10:55**
